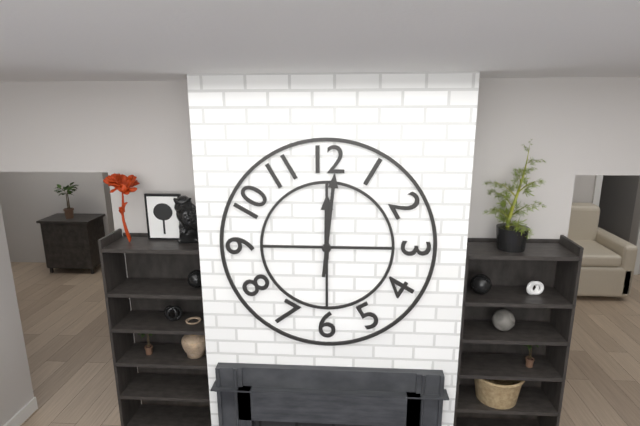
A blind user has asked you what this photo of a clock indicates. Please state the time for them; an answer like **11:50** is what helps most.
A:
**12:01**
